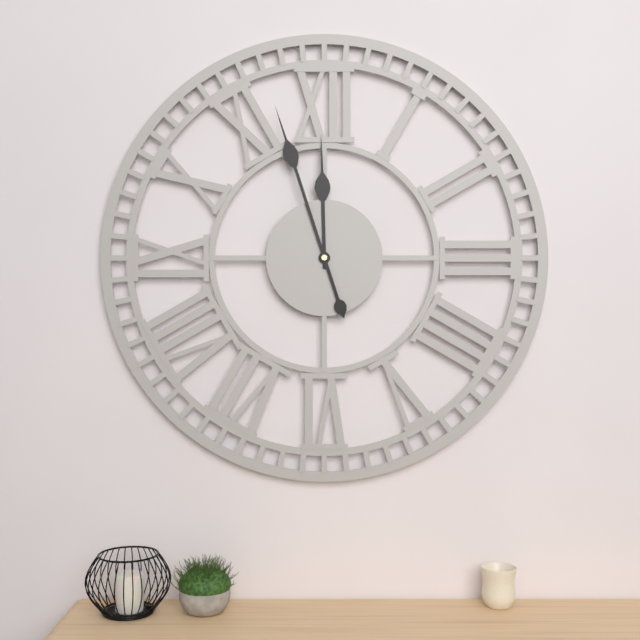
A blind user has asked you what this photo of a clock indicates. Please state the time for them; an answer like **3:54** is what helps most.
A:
**11:57**
